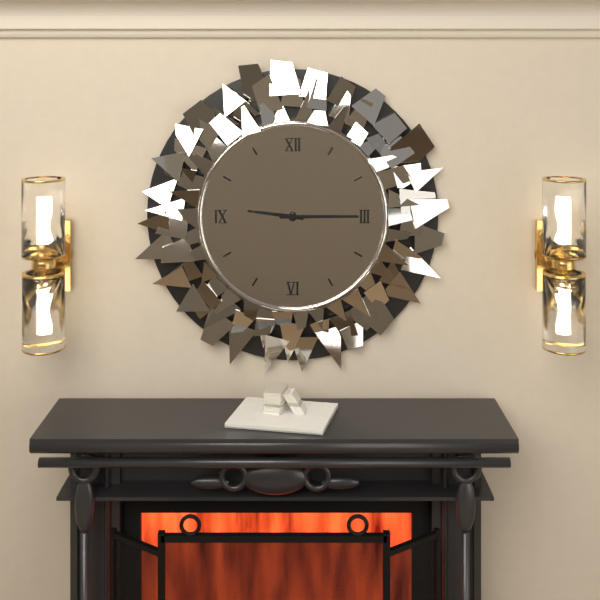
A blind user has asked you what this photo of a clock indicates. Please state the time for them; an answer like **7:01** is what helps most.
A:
**9:15**
